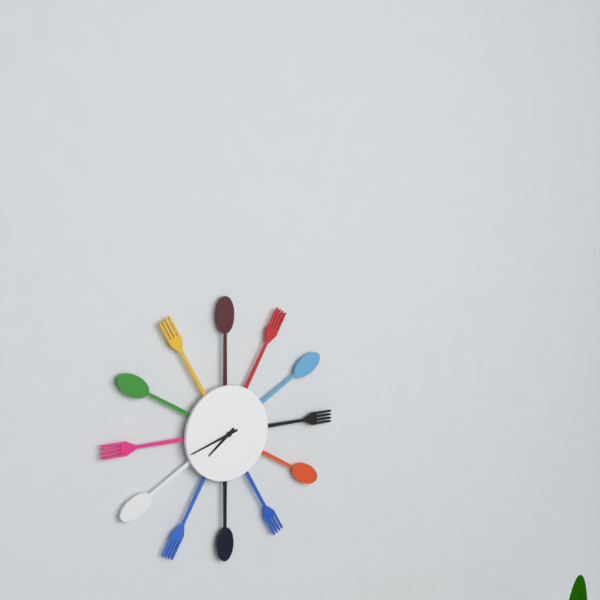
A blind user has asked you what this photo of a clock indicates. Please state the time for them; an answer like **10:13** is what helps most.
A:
**7:42**
